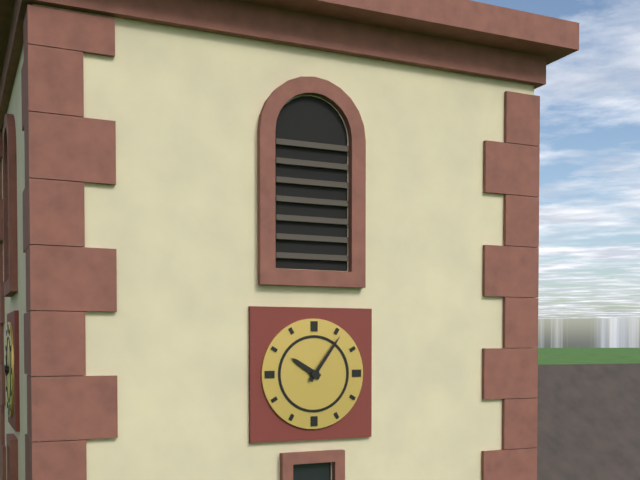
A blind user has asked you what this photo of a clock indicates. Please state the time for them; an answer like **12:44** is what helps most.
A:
**10:06**
